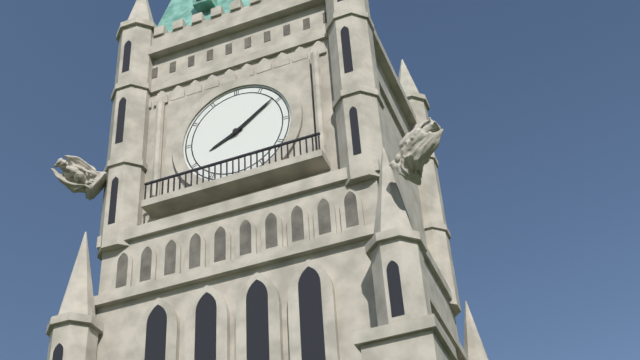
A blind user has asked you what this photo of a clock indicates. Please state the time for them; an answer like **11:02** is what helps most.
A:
**8:09**
